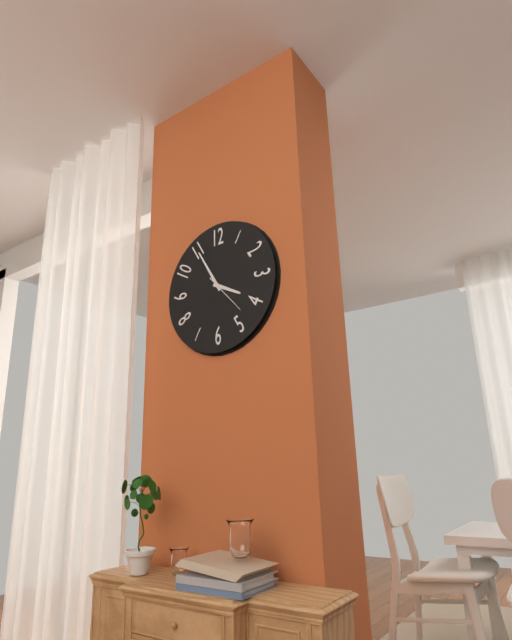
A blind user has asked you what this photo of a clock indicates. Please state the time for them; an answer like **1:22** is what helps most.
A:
**3:55**
